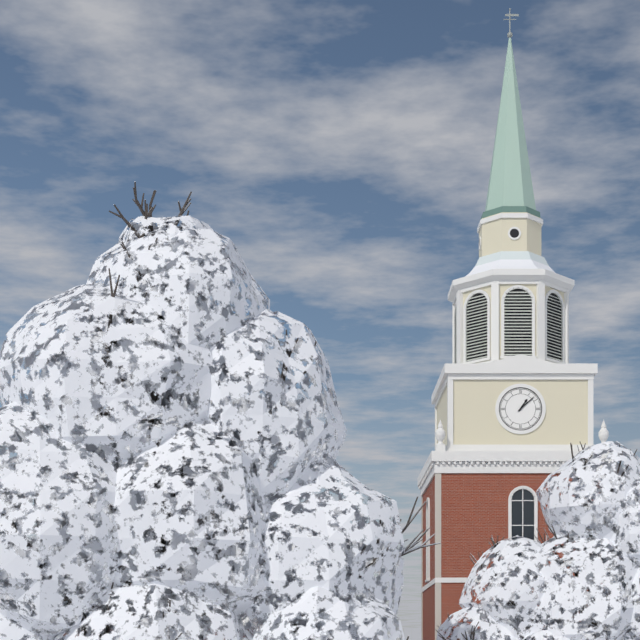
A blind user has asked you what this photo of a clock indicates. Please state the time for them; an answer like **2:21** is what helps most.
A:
**1:08**
